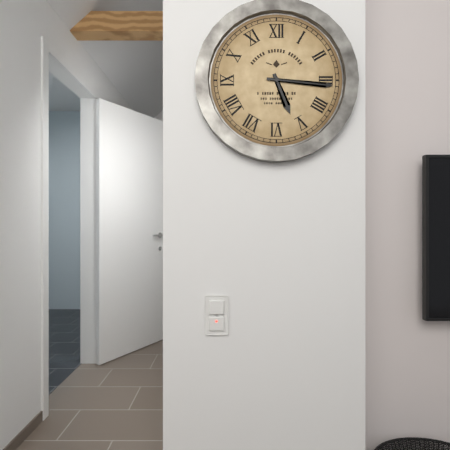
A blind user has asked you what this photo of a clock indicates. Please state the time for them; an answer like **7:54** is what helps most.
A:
**5:16**
